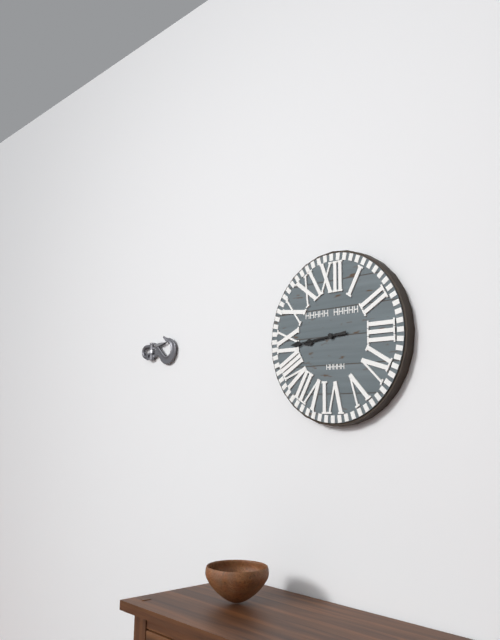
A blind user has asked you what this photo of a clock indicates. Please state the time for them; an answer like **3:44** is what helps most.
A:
**8:44**
